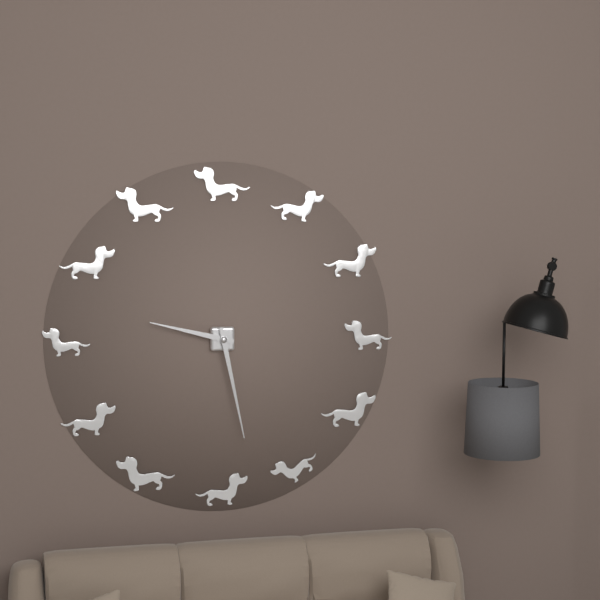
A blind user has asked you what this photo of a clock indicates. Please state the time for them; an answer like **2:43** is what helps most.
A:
**9:28**
